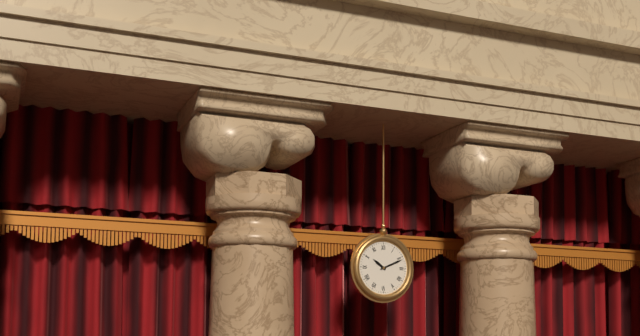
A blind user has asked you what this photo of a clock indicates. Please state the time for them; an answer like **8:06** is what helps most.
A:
**10:11**
